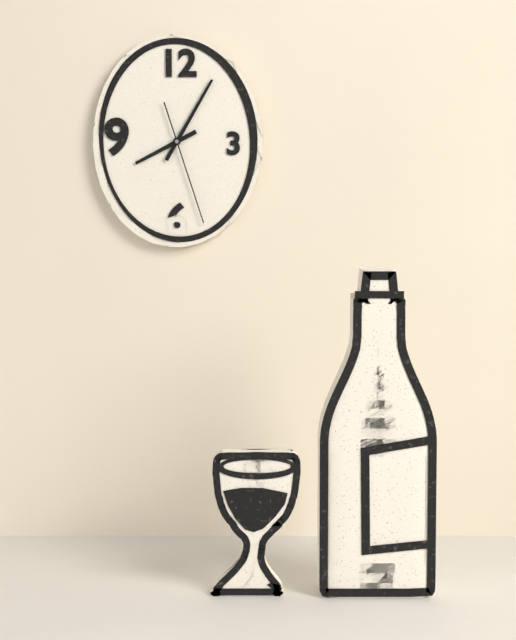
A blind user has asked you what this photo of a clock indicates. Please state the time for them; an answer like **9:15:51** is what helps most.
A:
**8:05:27**
